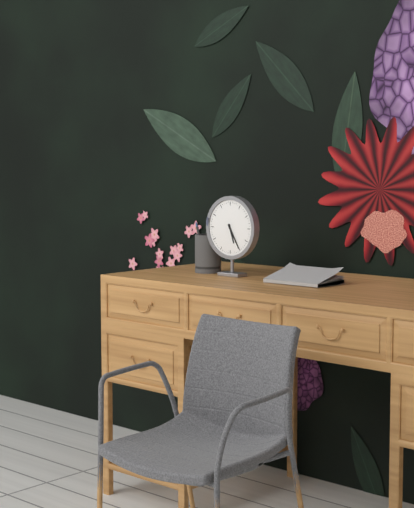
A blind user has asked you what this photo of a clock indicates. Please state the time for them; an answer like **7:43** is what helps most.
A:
**5:25**
